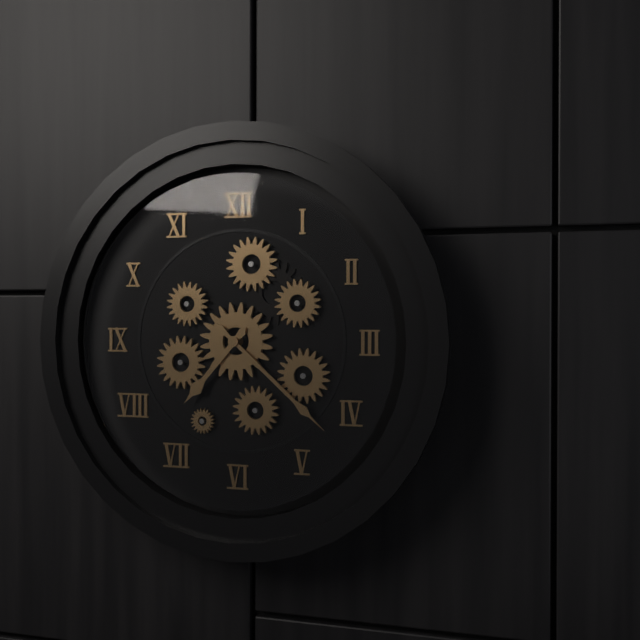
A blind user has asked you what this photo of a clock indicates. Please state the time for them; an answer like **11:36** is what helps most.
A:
**7:22**
